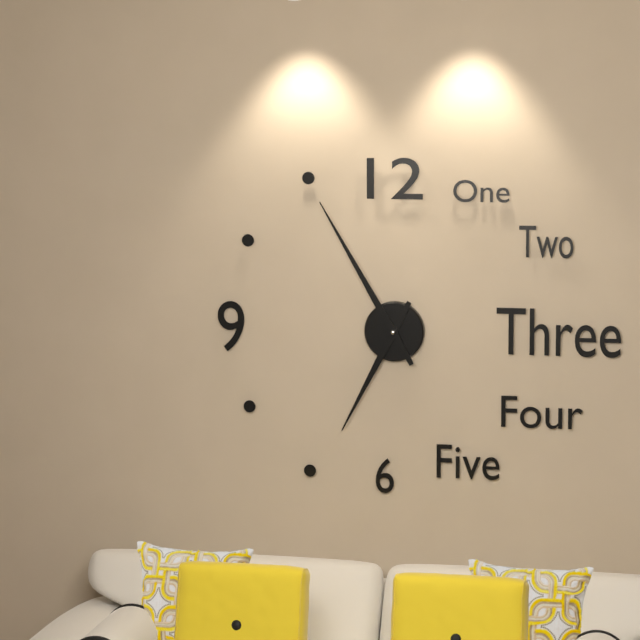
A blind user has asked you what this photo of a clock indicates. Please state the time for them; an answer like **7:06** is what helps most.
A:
**6:55**
